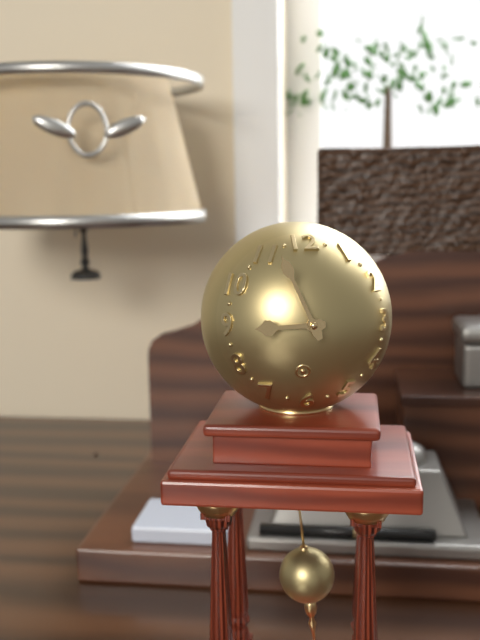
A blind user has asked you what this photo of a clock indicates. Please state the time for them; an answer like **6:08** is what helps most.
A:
**8:56**
